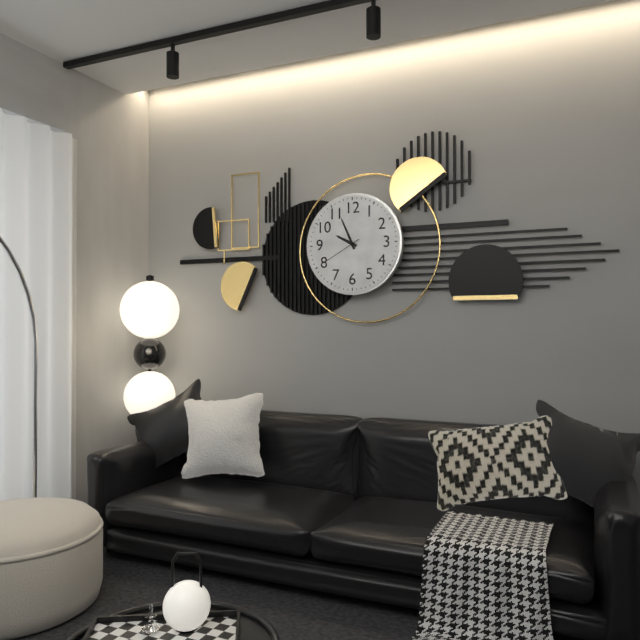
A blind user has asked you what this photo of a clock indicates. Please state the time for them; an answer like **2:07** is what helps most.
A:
**9:56**
